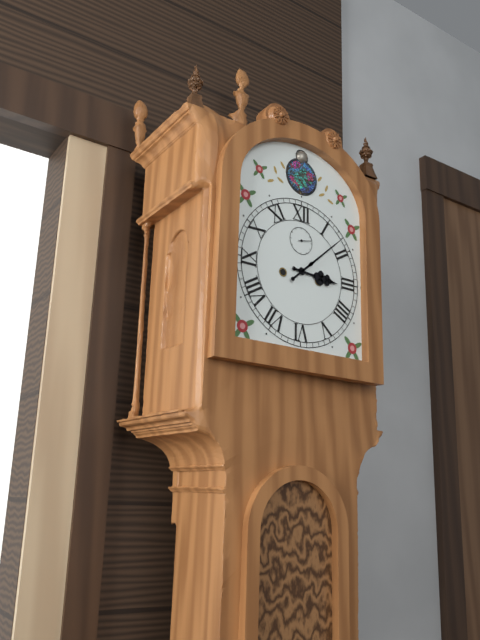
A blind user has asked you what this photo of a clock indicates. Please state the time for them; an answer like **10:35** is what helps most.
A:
**3:08**
